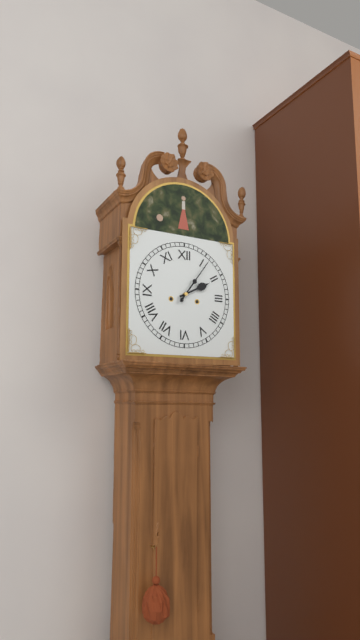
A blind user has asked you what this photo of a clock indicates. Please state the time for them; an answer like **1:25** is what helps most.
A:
**2:06**
